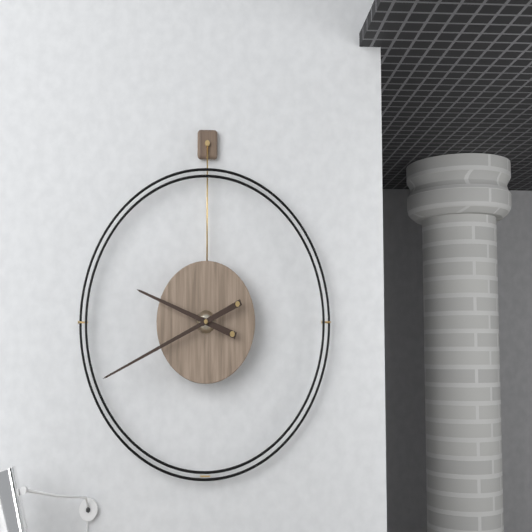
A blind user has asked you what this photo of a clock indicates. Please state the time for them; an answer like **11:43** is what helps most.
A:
**9:41**
